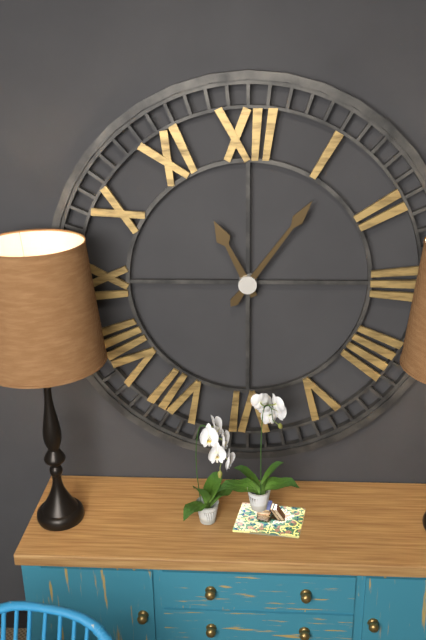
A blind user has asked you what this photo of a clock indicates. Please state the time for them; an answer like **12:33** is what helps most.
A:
**11:06**
